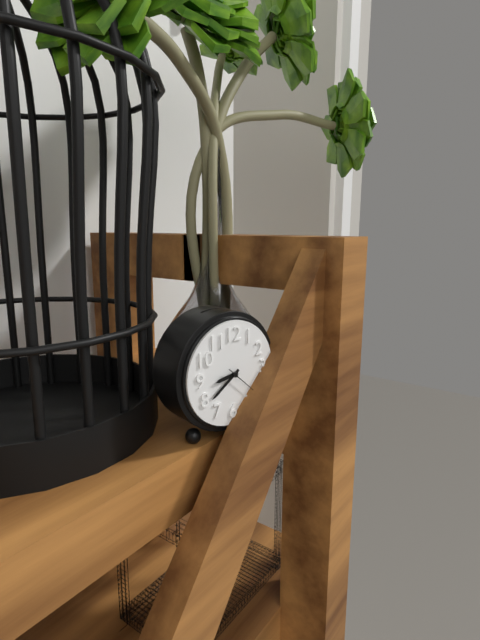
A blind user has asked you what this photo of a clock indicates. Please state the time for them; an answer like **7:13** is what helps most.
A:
**8:39**
